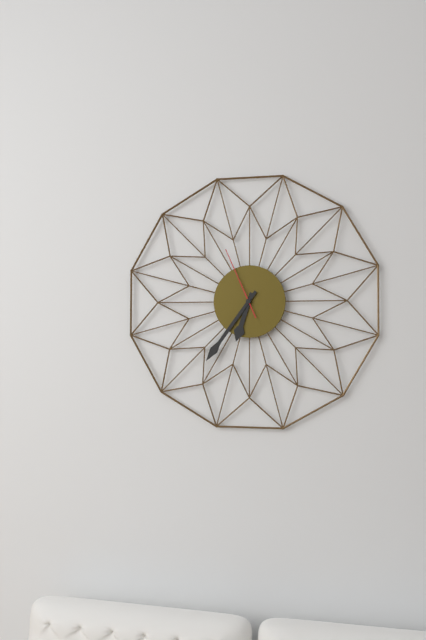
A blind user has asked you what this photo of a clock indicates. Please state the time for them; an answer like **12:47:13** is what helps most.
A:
**6:36:56**
